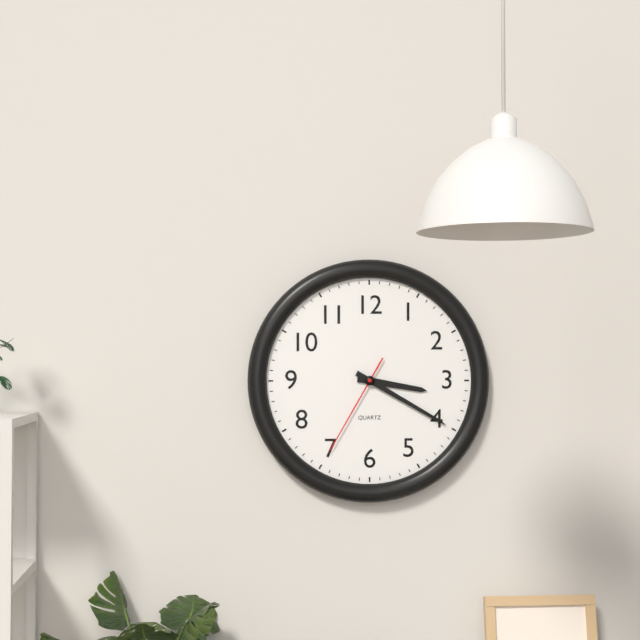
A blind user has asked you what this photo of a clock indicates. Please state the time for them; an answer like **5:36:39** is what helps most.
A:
**3:20:35**
